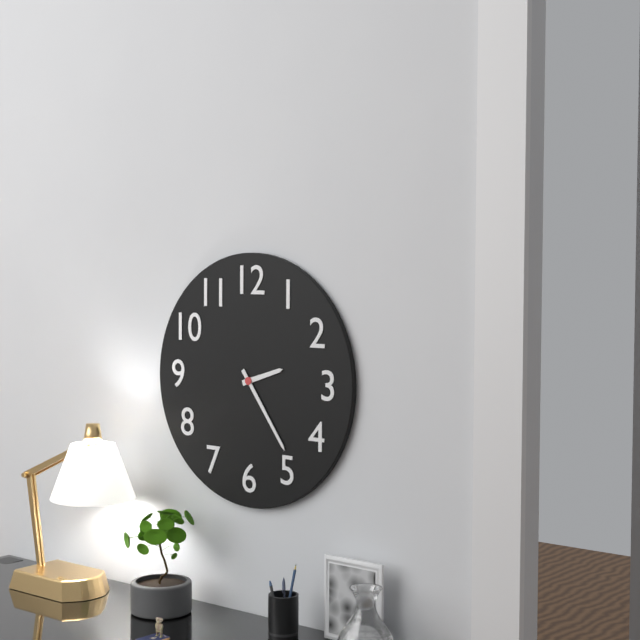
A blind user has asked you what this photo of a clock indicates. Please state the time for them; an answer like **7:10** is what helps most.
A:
**2:24**
